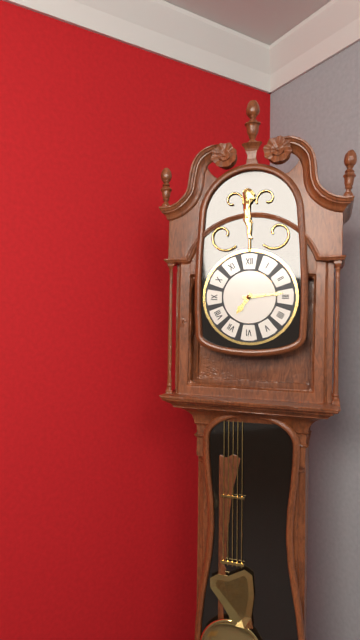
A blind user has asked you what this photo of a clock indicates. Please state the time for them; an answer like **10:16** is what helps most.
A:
**7:14**
